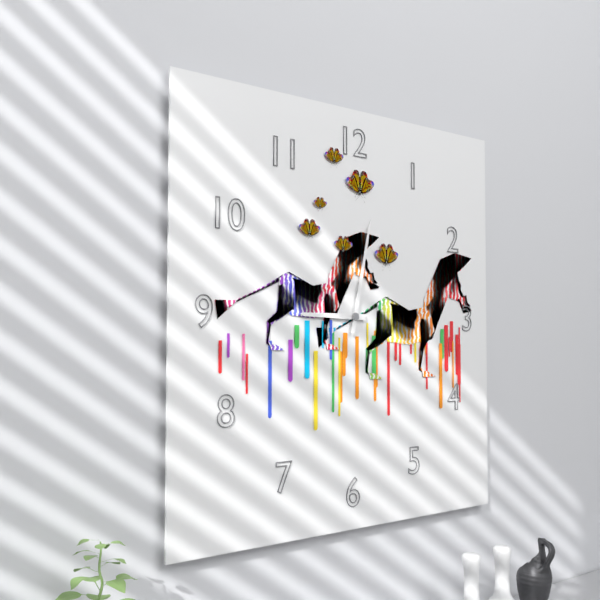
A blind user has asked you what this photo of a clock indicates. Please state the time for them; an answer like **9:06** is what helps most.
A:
**9:02**
